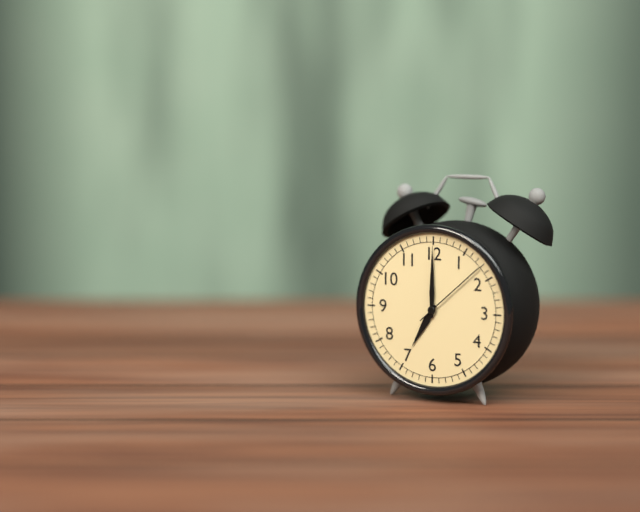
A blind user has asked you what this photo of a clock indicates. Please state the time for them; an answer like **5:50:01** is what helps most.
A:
**7:00:08**
